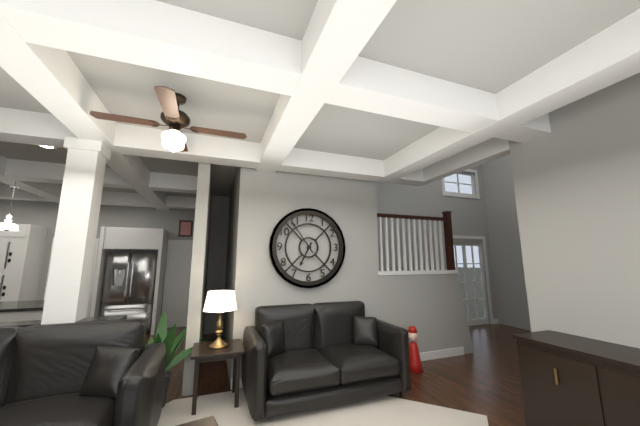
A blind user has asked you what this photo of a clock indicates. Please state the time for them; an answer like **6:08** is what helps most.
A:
**6:54**
